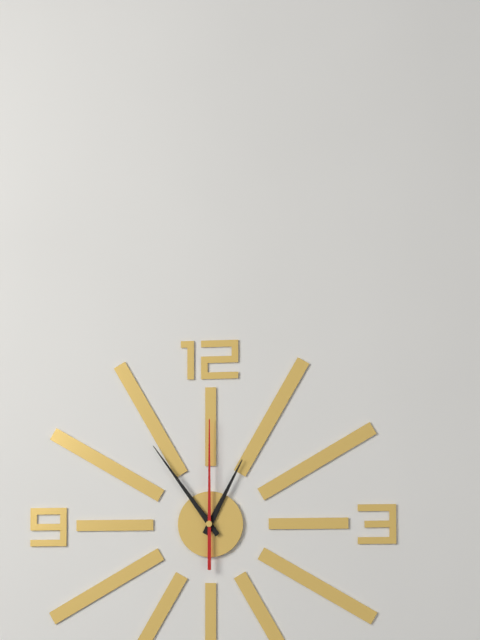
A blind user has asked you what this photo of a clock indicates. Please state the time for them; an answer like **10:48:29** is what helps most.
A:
**12:54:00**
